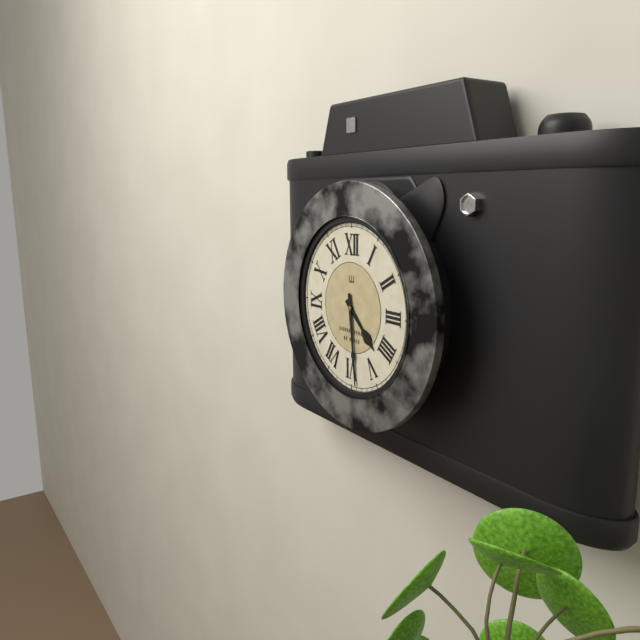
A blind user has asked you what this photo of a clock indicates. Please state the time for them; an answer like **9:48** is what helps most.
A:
**4:29**
